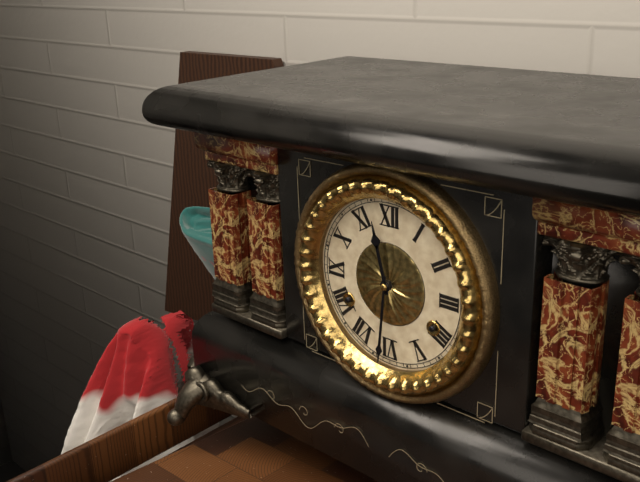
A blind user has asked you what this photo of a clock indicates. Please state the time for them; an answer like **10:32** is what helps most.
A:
**11:31**
